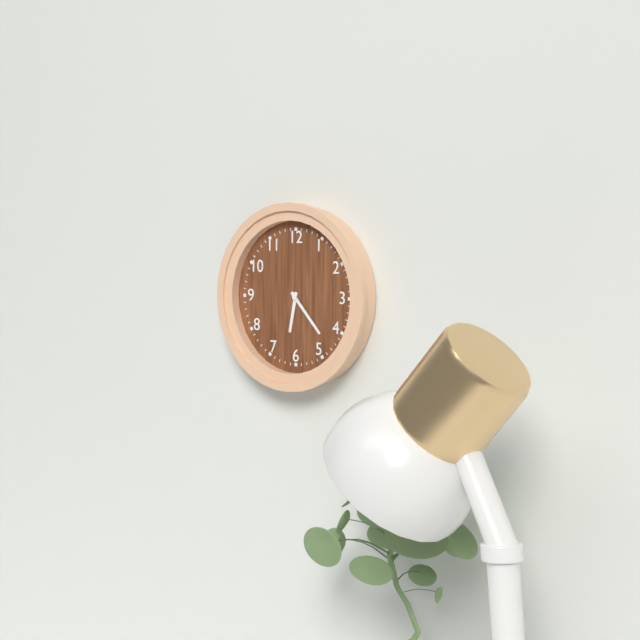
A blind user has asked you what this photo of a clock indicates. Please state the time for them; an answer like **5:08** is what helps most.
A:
**6:23**
